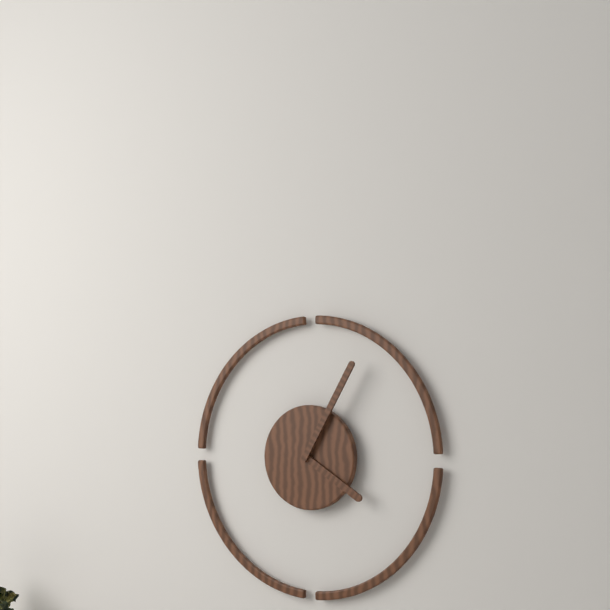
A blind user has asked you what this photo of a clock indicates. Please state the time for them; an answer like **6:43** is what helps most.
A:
**4:05**
